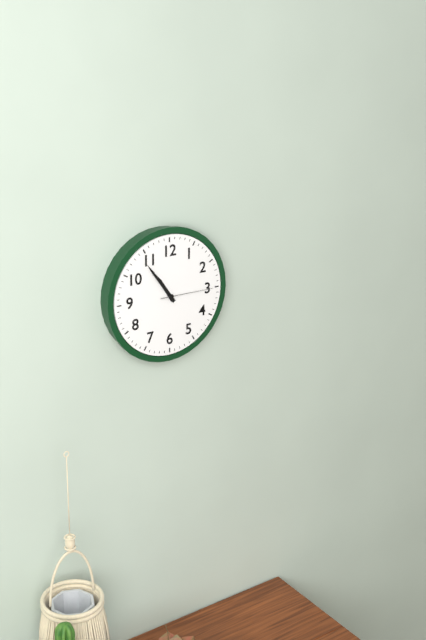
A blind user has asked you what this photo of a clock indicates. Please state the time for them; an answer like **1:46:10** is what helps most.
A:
**10:54:15**
